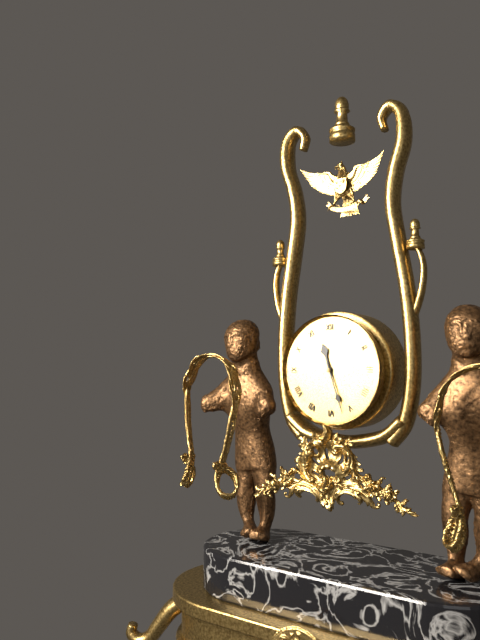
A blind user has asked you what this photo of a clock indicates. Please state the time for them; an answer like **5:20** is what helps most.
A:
**11:27**
